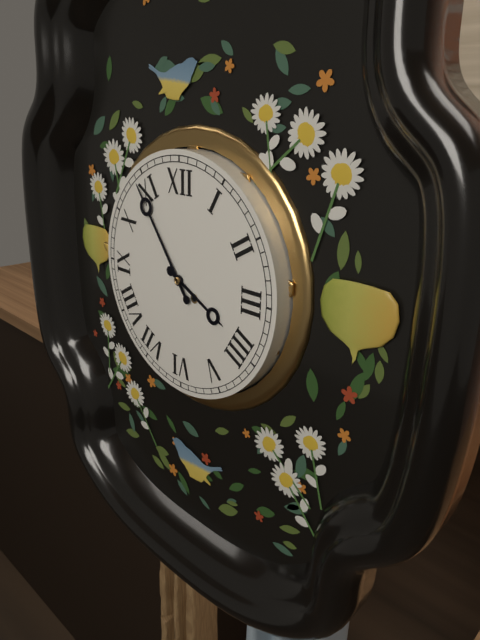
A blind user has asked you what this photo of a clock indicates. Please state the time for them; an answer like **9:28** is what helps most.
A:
**3:54**
